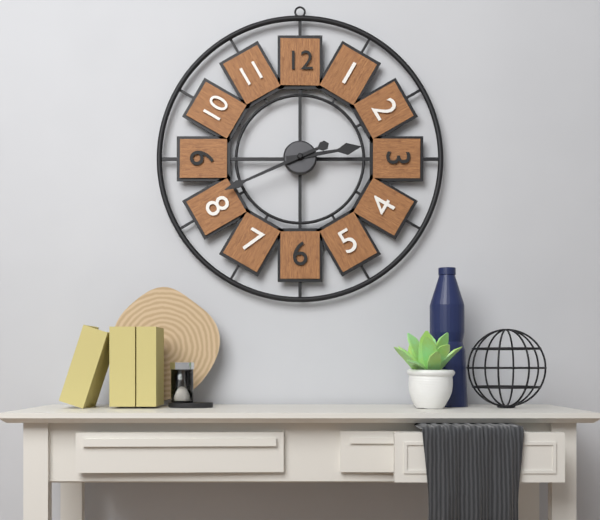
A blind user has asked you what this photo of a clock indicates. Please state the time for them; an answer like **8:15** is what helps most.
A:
**2:41**
